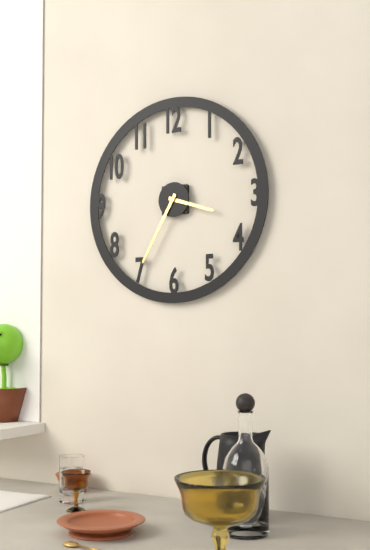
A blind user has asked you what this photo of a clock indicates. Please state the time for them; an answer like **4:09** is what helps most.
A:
**3:35**
